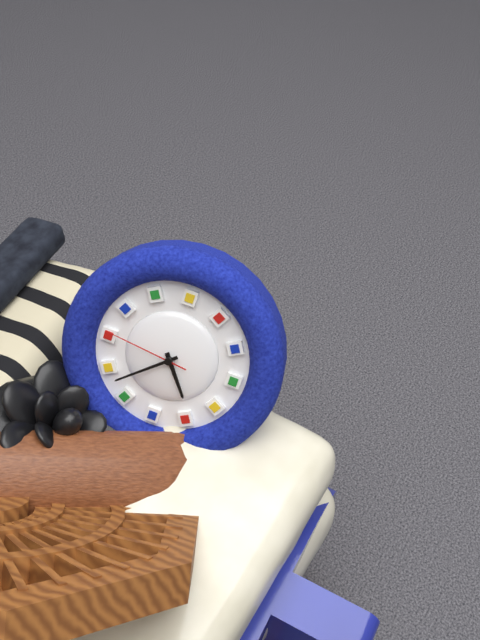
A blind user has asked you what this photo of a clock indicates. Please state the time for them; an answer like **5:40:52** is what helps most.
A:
**6:48:56**
